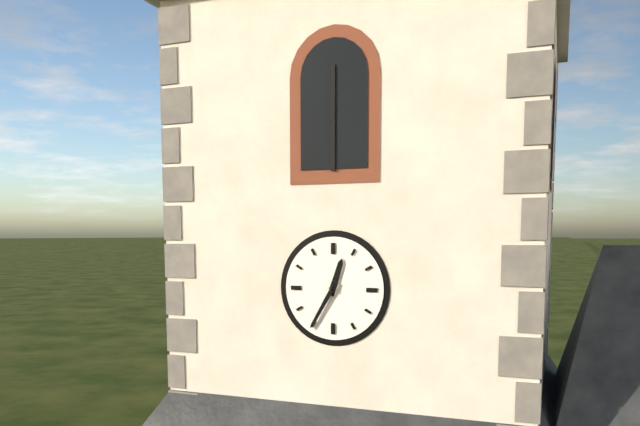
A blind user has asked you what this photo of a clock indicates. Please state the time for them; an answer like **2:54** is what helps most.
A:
**12:35**
